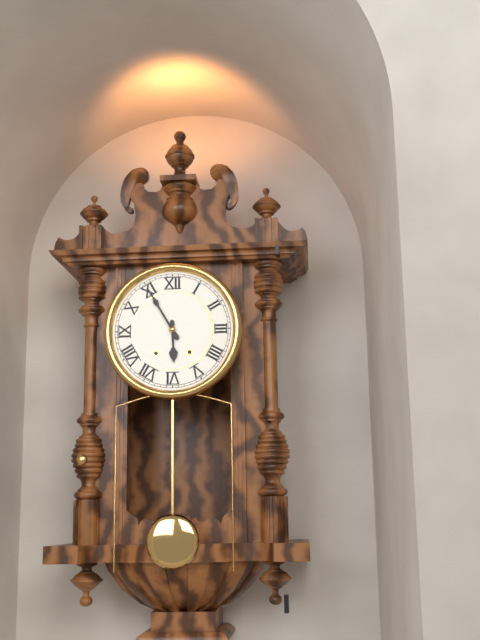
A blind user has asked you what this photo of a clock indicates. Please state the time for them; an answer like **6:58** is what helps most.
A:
**5:55**
